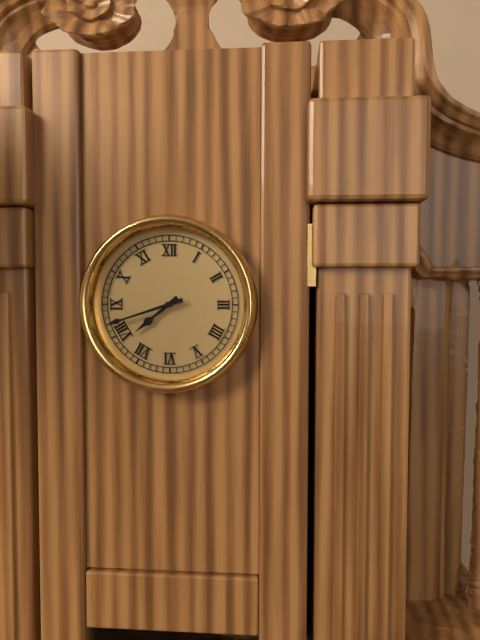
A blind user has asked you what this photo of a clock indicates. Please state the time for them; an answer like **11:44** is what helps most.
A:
**7:42**
